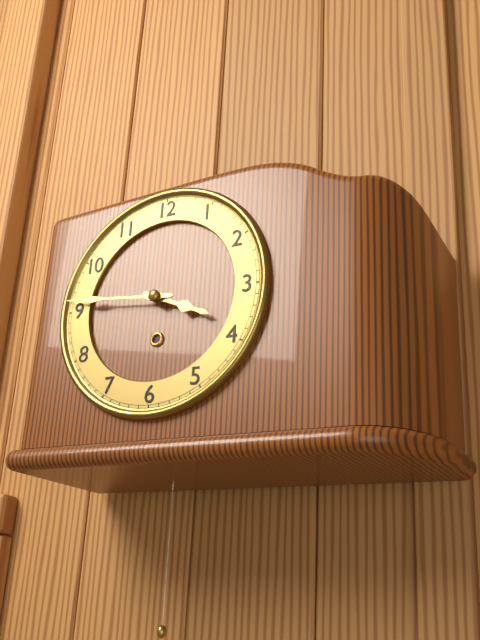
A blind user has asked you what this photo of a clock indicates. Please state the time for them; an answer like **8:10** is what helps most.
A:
**3:46**
